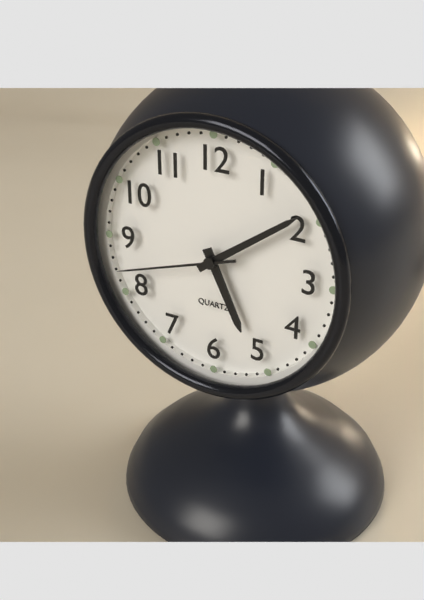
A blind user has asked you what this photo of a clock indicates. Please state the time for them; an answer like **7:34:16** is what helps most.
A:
**5:09:42**
